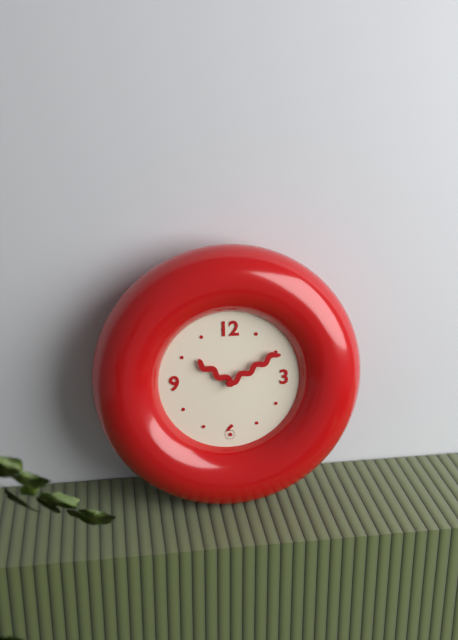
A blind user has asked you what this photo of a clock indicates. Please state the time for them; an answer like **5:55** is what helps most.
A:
**10:10**
